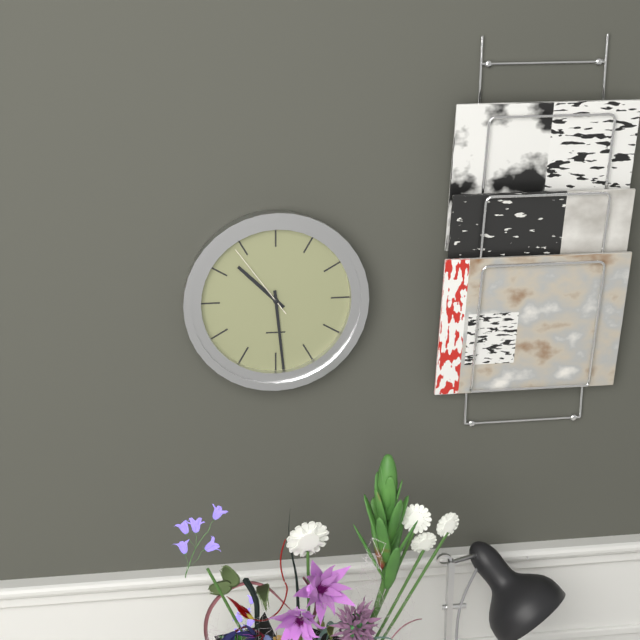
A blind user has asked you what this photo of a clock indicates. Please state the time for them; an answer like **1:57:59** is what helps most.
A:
**10:29:54**
